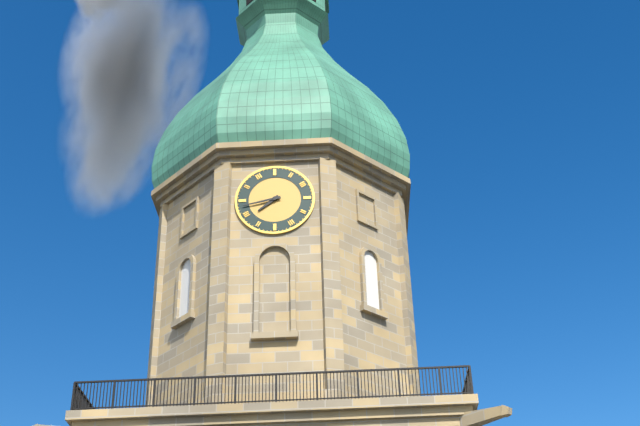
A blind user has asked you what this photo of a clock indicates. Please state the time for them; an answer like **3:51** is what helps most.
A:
**7:43**
